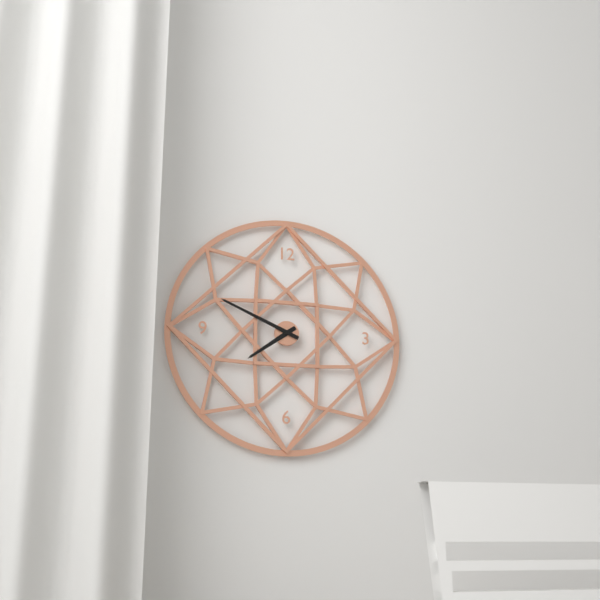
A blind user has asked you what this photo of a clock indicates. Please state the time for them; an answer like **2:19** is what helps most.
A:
**7:49**
